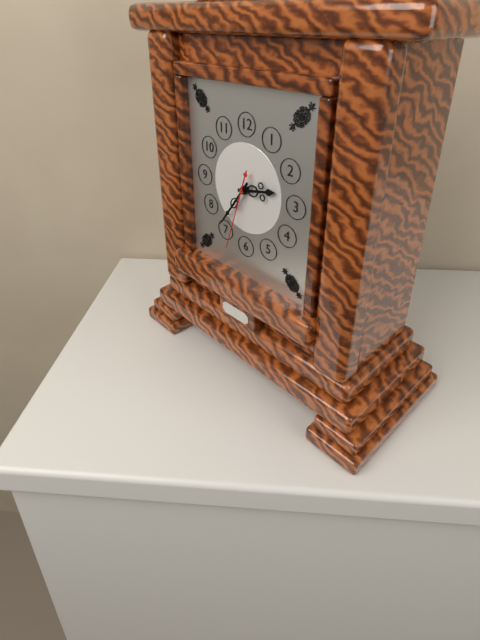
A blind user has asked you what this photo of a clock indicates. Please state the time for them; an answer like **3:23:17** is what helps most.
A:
**2:36:33**
